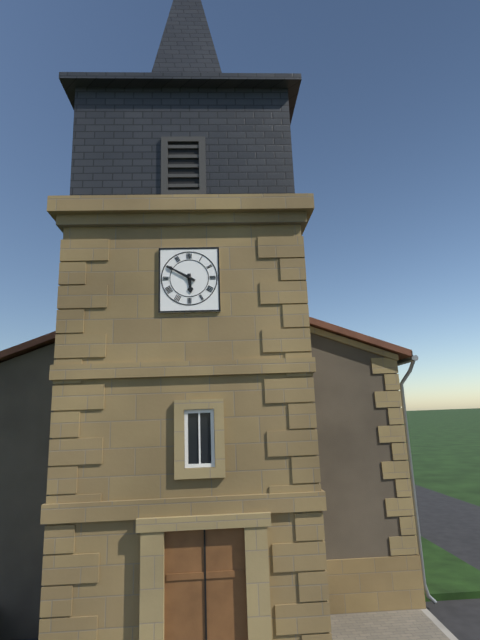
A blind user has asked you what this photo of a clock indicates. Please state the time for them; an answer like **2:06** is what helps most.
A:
**5:50**
